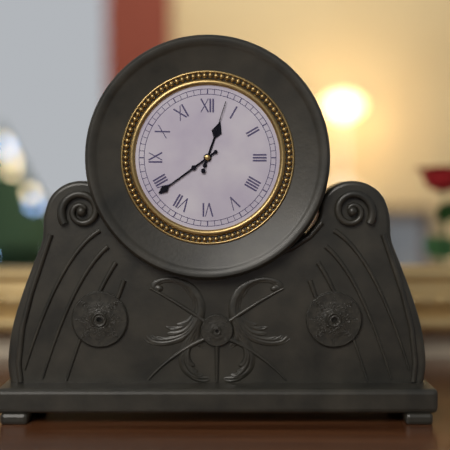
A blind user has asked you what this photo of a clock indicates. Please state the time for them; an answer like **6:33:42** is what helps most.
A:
**12:39:03**
